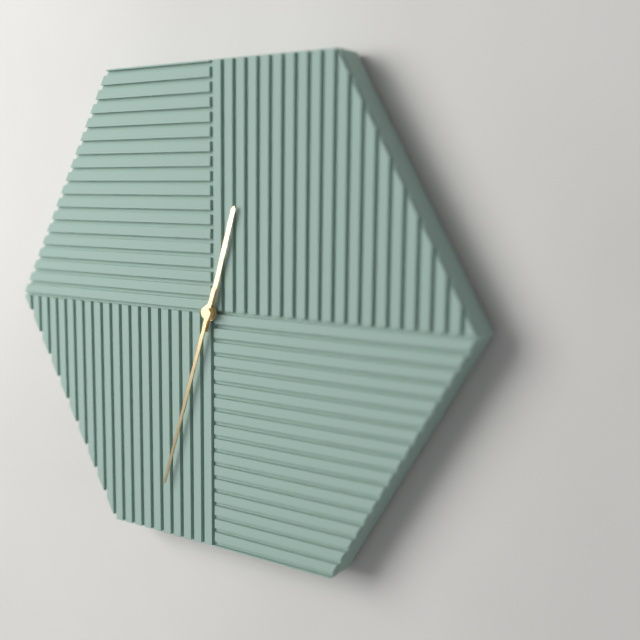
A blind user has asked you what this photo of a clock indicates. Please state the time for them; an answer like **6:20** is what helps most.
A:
**12:33**
